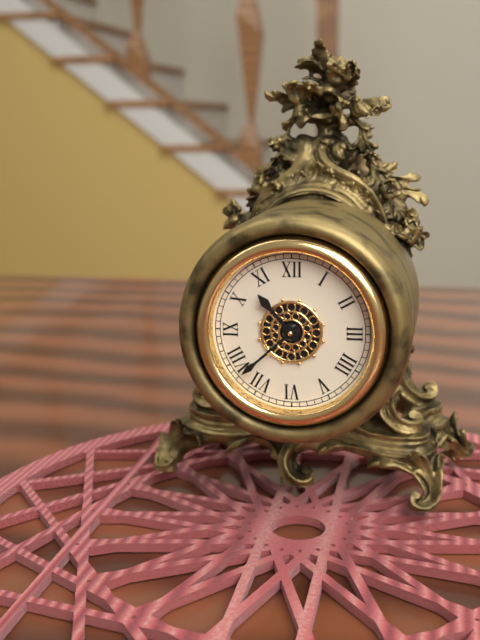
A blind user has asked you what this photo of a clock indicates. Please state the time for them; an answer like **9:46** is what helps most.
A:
**10:38**
